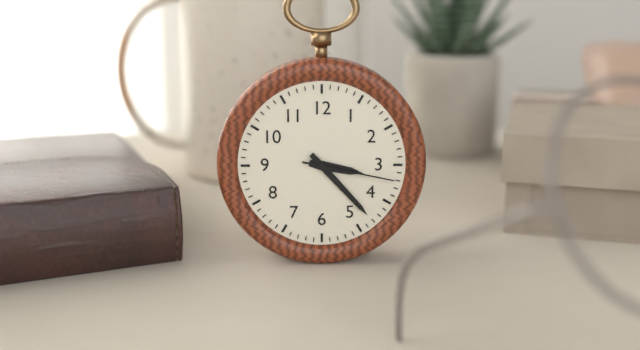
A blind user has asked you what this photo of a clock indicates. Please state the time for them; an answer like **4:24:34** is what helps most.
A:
**3:23:17**
